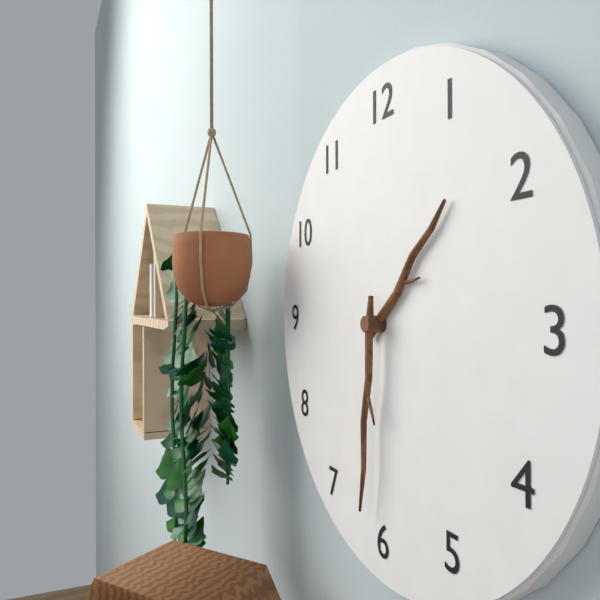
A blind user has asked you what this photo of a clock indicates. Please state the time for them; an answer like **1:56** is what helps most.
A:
**1:31**
